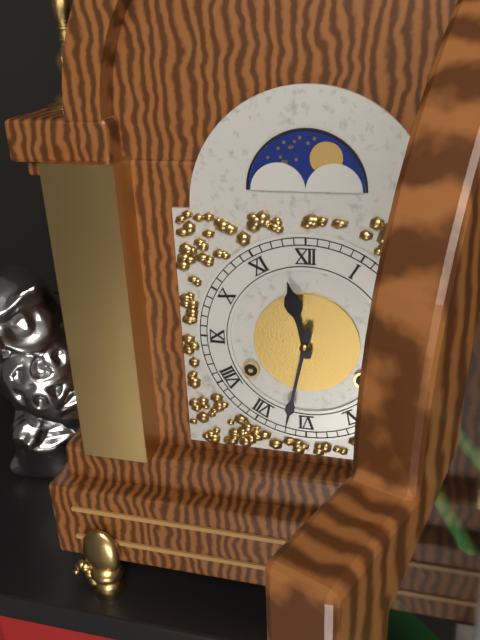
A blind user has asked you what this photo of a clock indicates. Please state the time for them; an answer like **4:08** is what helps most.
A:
**11:32**
